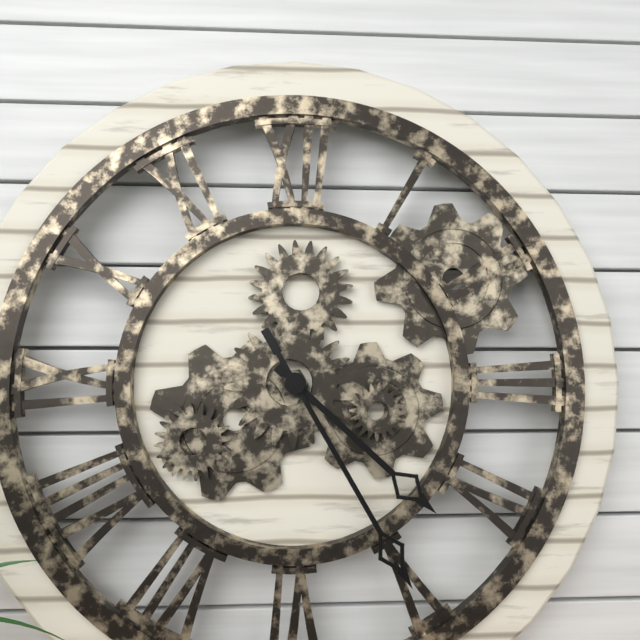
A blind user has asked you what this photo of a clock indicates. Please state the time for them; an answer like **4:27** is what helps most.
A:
**4:25**
